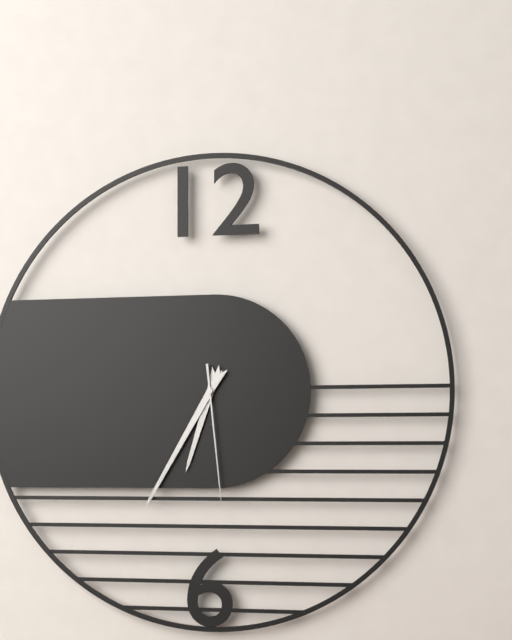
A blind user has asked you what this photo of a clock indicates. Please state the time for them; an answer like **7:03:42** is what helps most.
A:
**6:35:29**
